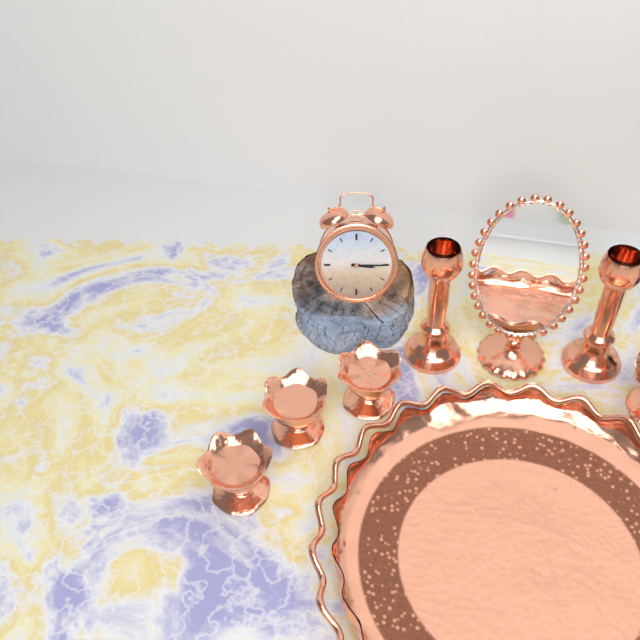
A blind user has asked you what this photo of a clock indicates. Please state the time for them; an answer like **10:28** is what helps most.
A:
**3:15**
